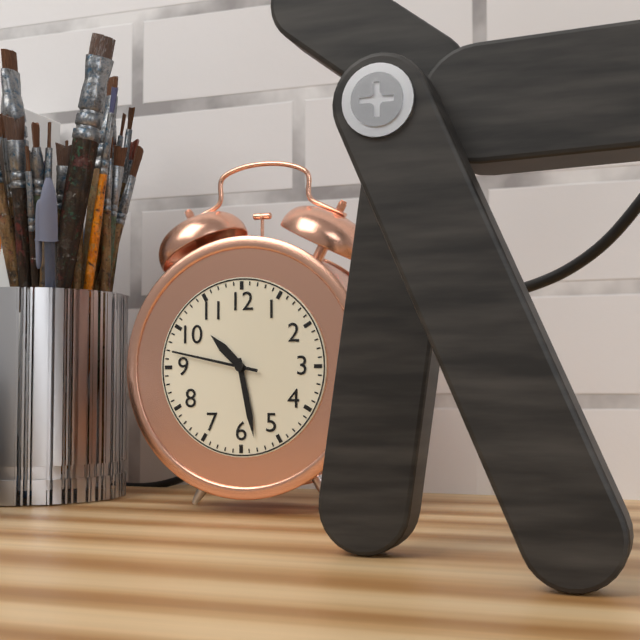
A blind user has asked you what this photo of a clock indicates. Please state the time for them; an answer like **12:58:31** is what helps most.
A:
**10:28:47**
